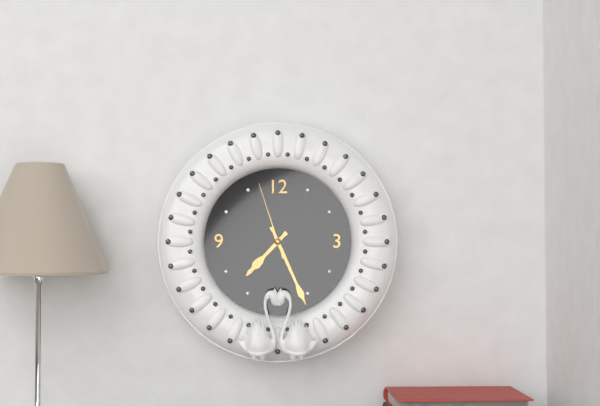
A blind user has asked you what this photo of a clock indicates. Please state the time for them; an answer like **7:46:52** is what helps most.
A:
**7:26:57**
